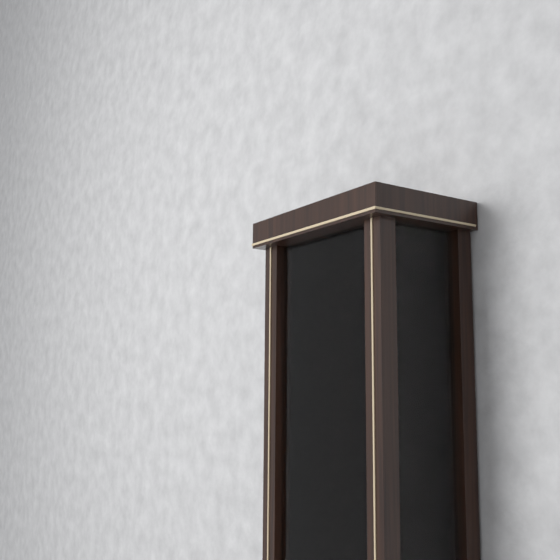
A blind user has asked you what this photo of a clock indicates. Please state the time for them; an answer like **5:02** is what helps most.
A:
**12:07**
